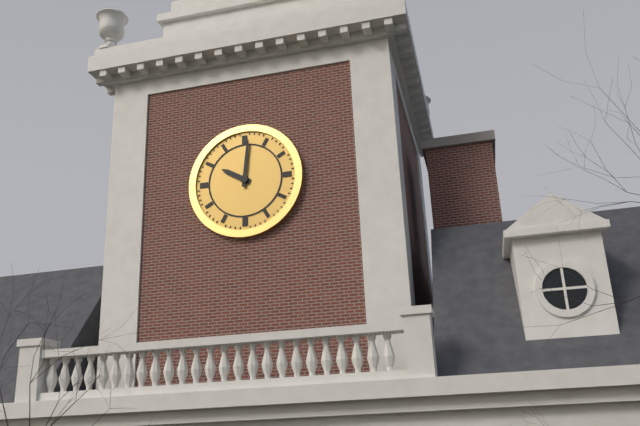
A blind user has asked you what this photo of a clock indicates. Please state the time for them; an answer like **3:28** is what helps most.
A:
**10:01**
